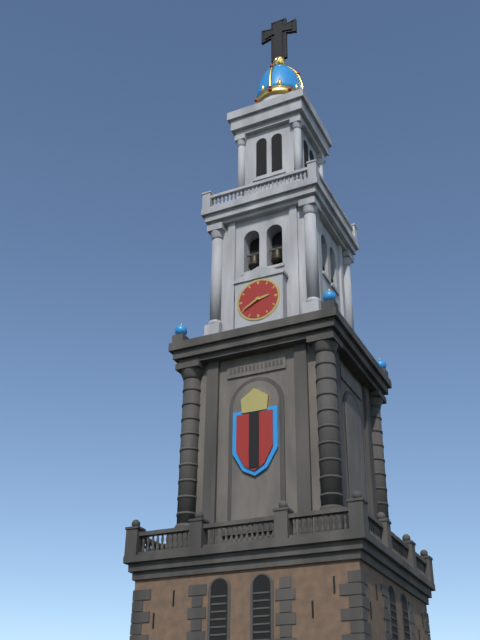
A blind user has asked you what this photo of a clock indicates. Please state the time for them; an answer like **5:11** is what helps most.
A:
**2:40**
